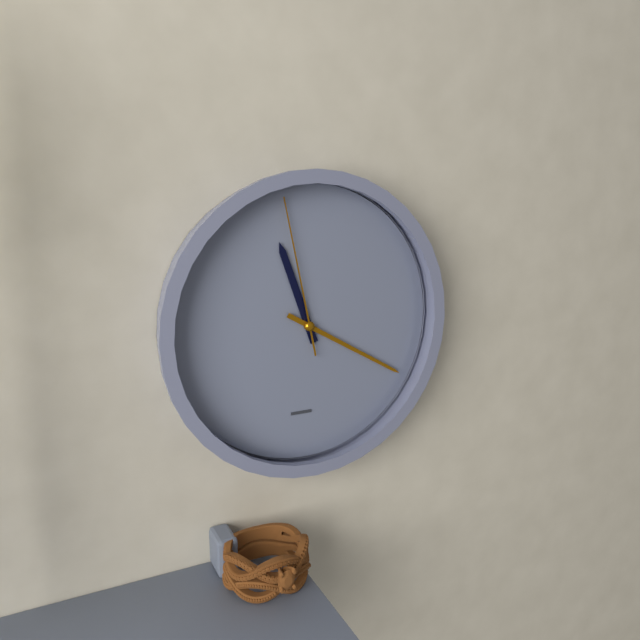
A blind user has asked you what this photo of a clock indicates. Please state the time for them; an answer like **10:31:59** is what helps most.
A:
**11:20:58**
